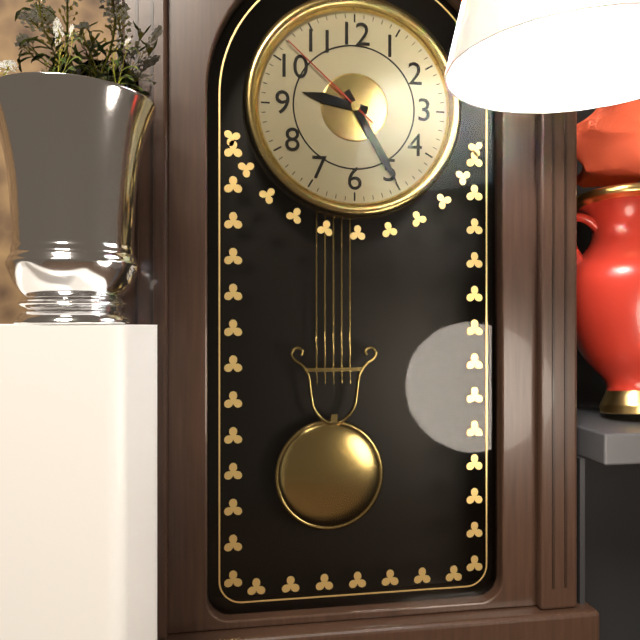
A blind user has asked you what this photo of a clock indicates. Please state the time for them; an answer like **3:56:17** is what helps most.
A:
**9:25:52**
